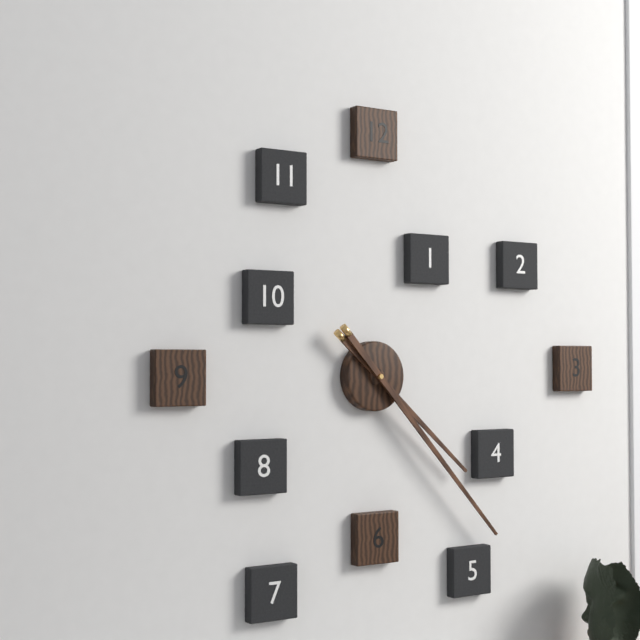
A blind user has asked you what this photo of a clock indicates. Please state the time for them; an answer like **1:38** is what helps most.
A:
**4:23**
